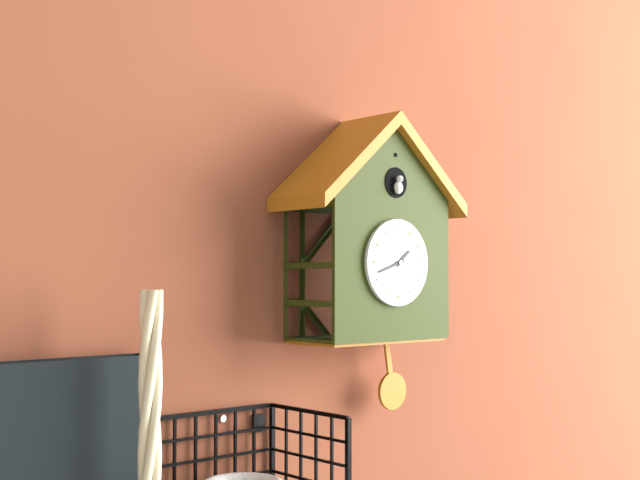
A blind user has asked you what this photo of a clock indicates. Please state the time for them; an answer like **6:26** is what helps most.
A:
**1:42**
